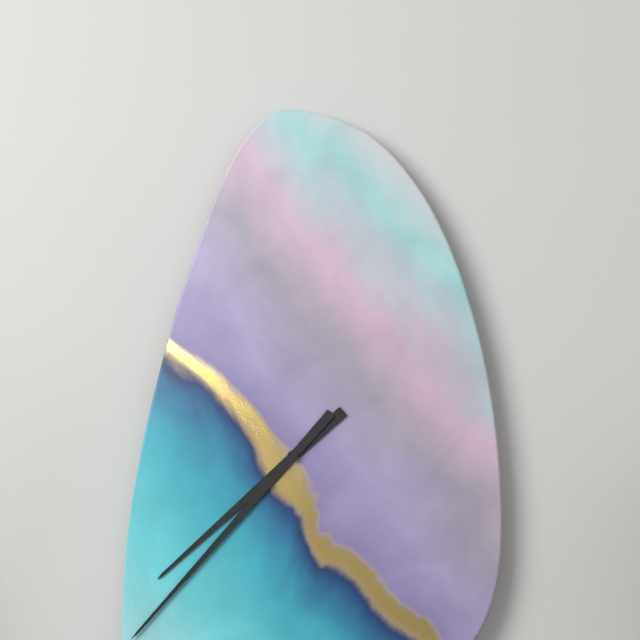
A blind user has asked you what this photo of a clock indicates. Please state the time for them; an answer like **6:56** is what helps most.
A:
**7:37**
